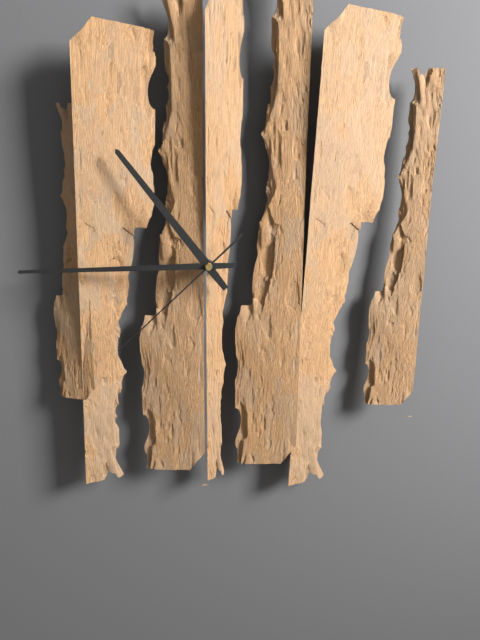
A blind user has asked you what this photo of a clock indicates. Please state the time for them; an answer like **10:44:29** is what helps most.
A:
**10:45:38**
